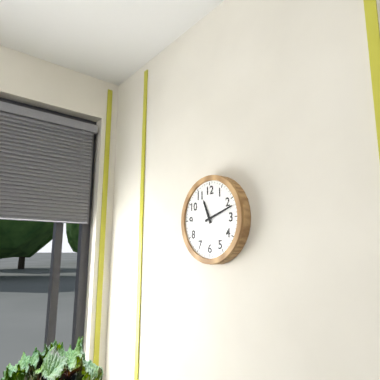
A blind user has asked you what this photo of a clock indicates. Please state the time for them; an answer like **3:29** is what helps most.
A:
**11:12**
